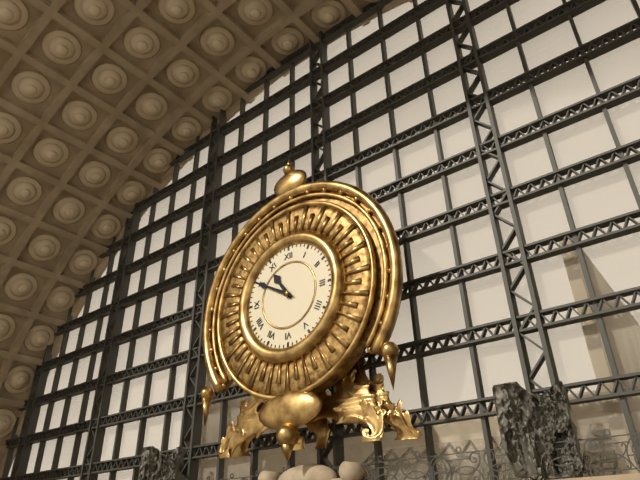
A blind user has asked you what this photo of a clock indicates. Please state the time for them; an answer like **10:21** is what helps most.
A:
**10:50**
